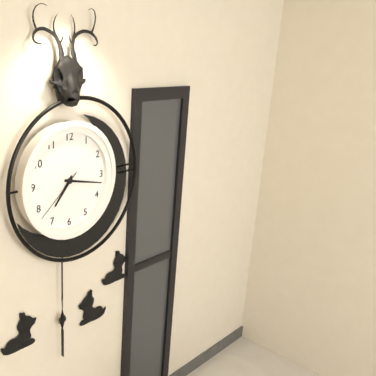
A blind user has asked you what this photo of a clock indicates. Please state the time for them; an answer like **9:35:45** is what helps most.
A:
**7:17:38**
